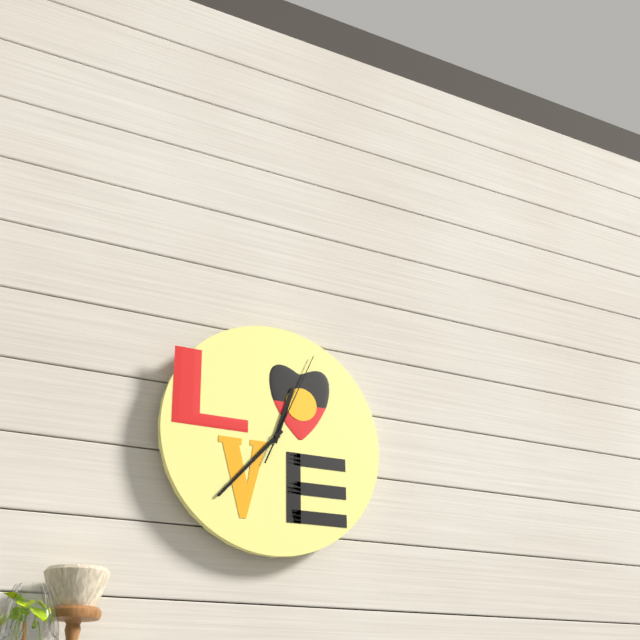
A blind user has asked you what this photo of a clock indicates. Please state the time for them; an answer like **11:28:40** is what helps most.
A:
**12:37:04**
